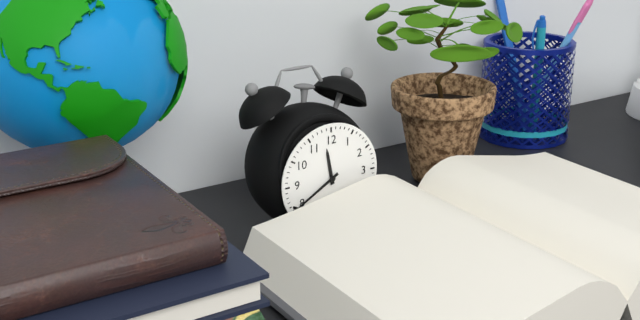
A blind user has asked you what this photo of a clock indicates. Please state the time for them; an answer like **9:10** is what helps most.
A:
**11:40**
